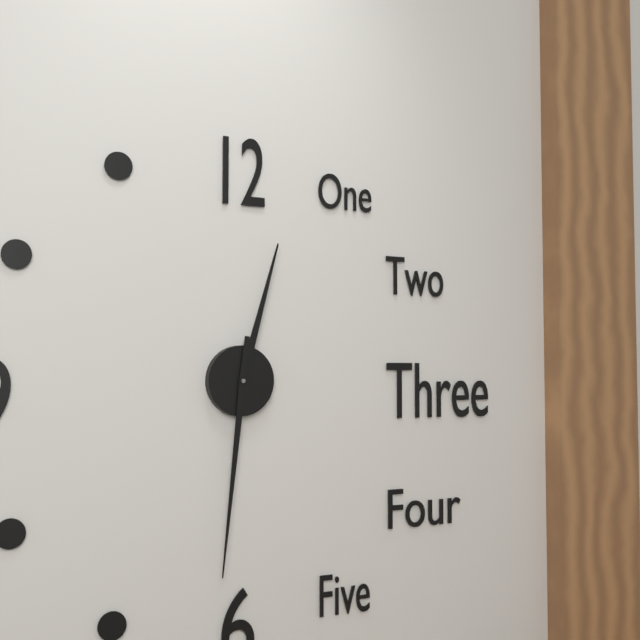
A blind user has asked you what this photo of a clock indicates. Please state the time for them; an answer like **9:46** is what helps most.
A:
**12:31**
